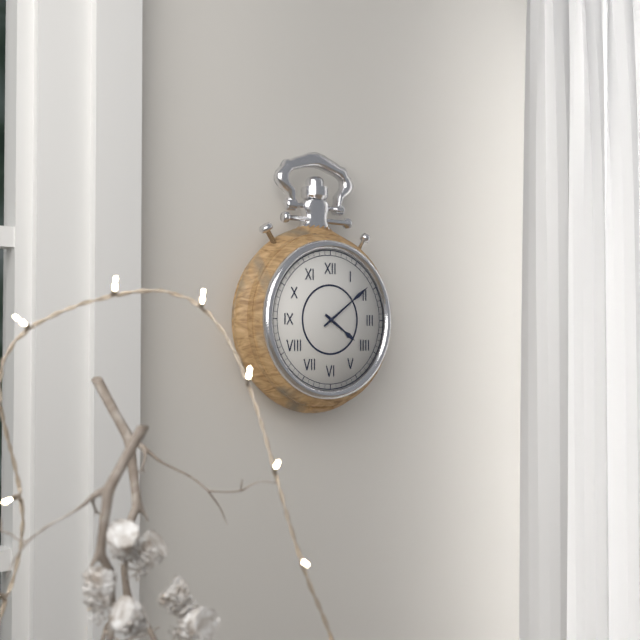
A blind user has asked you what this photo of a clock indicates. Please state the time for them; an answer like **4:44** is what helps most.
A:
**4:09**
